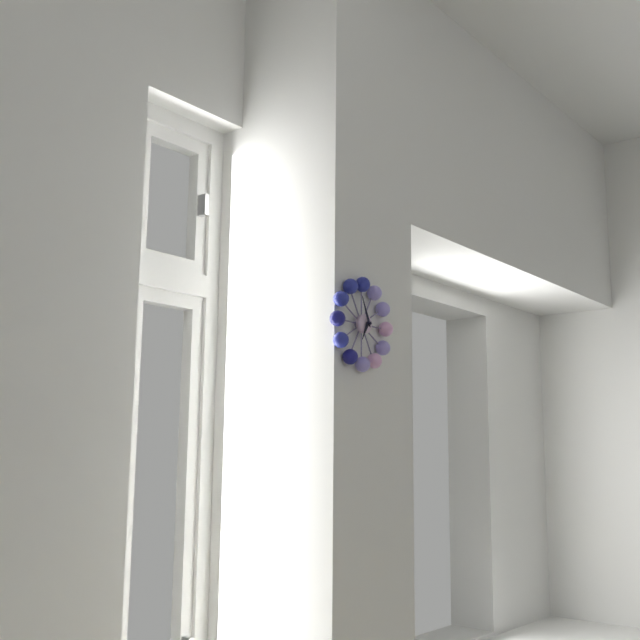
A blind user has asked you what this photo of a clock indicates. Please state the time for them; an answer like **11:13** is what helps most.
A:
**6:56**
